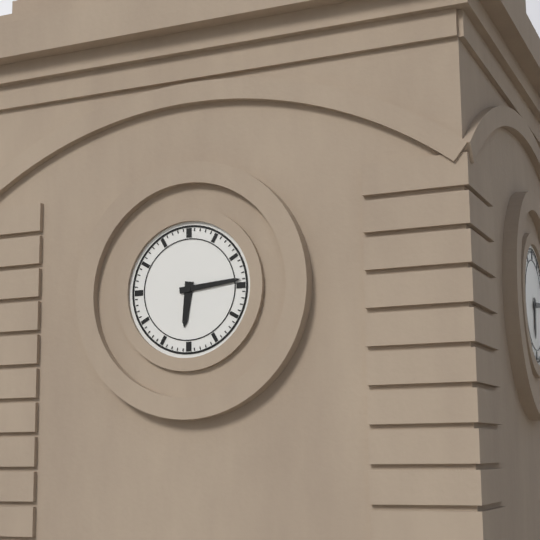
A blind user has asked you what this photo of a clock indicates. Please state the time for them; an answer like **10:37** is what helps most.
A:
**6:14**
